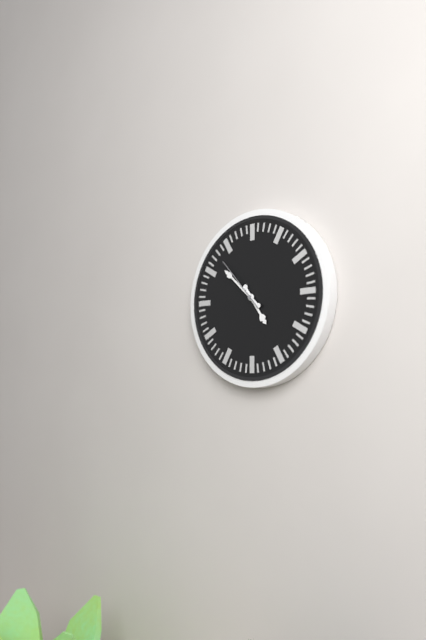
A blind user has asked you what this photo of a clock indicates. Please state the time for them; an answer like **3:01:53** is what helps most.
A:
**4:52:53**
